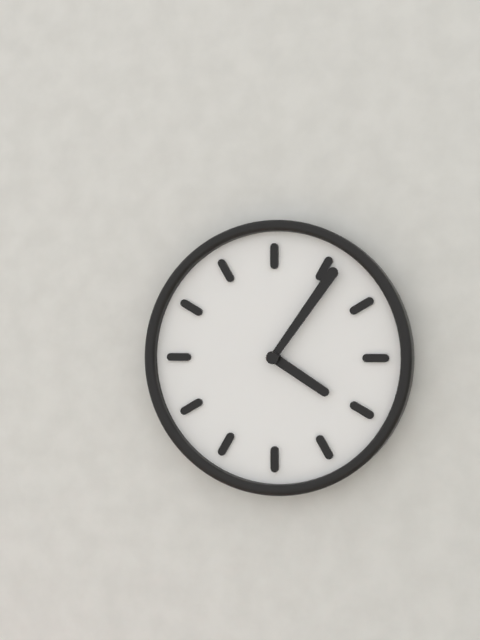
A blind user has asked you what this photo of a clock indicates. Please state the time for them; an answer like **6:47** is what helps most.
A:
**4:06**
